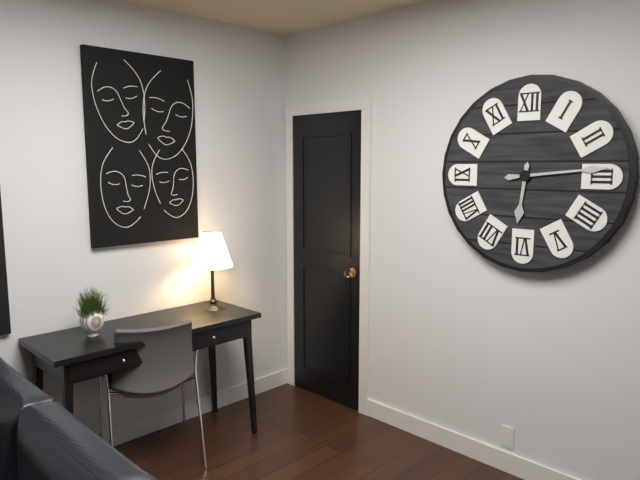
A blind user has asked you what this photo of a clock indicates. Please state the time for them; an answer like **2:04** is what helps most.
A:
**6:14**
